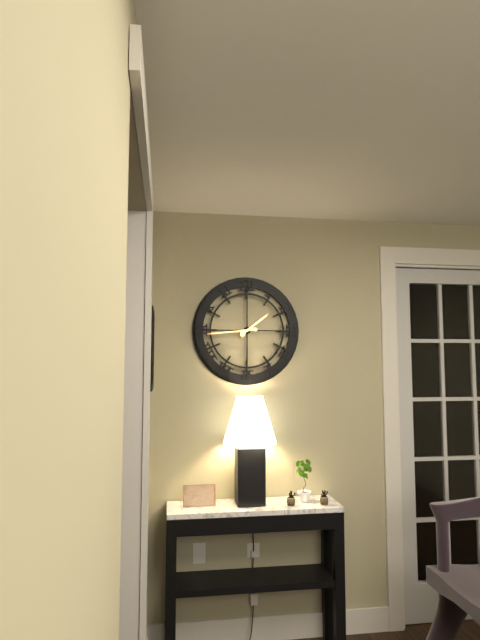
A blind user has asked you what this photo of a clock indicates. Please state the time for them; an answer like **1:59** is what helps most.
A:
**1:44**
